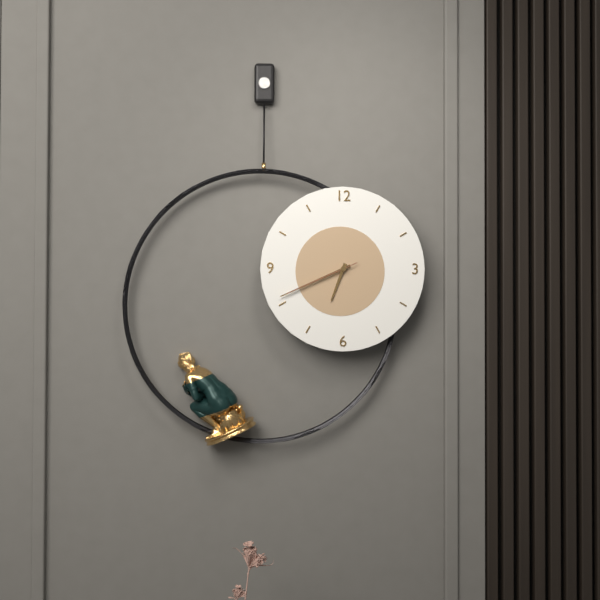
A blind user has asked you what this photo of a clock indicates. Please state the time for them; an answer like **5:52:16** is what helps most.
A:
**6:41:41**
